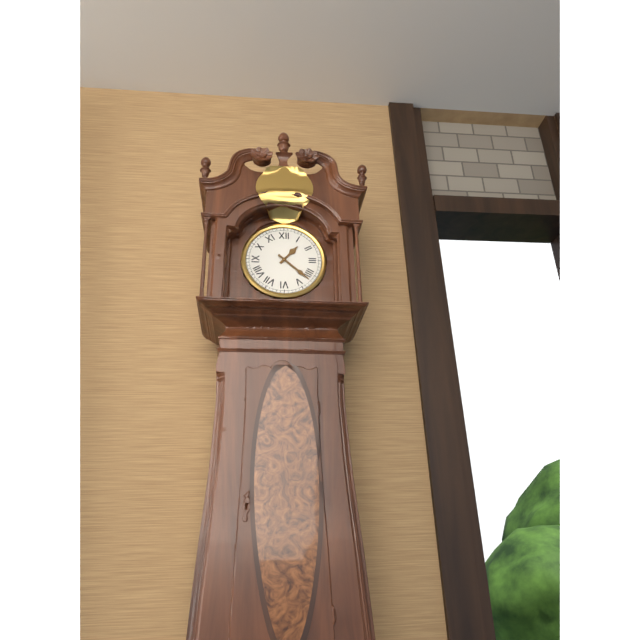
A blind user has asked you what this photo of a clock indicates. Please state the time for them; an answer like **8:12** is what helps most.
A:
**1:22**
